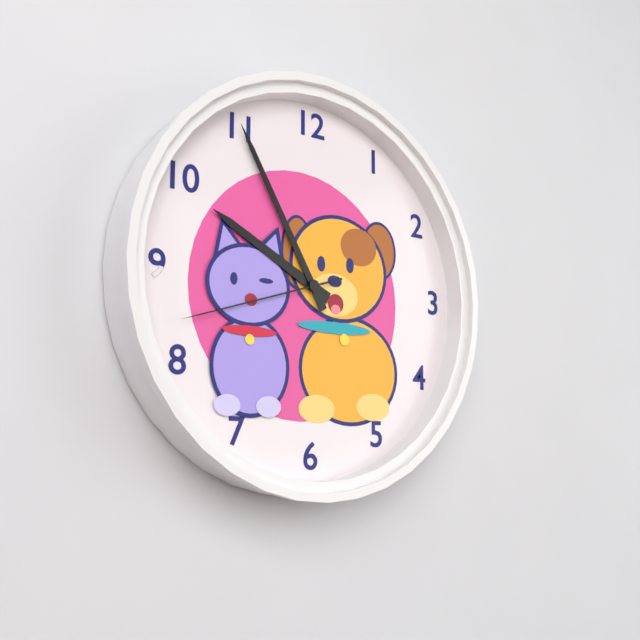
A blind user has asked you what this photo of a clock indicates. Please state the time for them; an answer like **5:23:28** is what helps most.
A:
**9:55:42**
